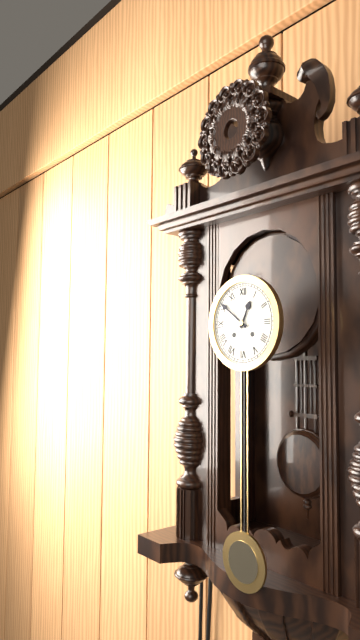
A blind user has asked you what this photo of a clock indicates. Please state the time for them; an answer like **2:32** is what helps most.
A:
**12:51**
